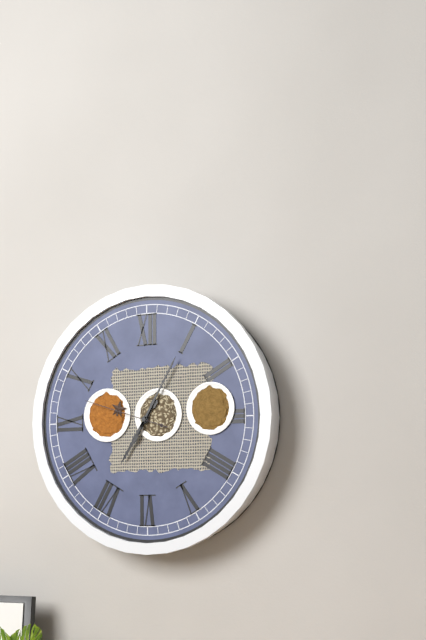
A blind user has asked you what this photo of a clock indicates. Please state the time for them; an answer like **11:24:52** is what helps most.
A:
**7:05:48**
